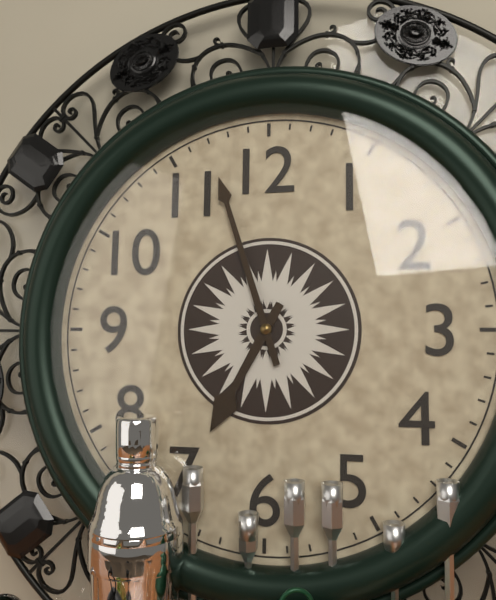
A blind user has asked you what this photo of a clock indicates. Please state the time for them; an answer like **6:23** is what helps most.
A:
**6:57**
